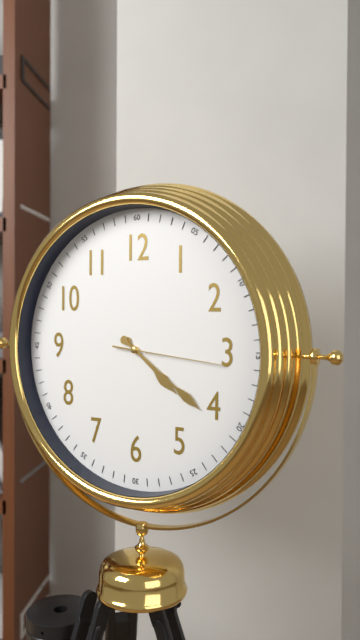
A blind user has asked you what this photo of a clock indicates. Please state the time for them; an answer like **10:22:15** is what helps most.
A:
**4:21:16**
